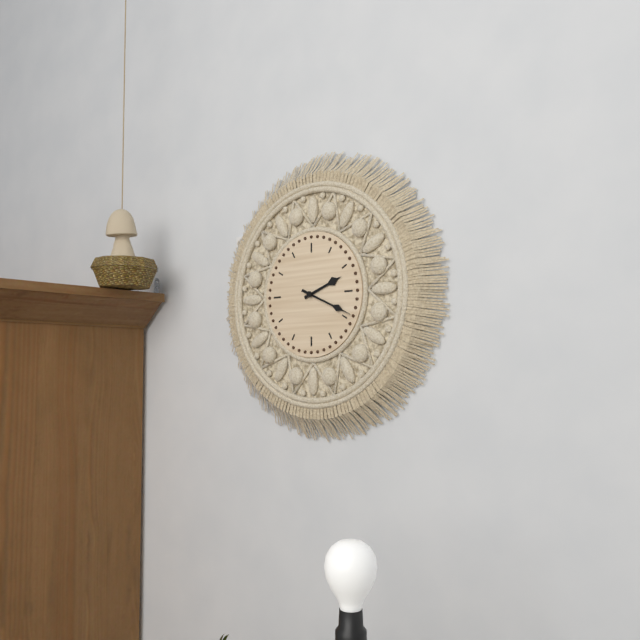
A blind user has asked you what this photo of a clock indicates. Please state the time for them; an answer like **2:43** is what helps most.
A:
**2:19**
